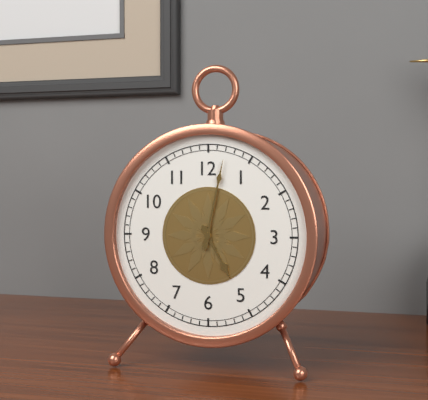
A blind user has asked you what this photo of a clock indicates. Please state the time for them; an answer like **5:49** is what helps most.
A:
**5:02**
